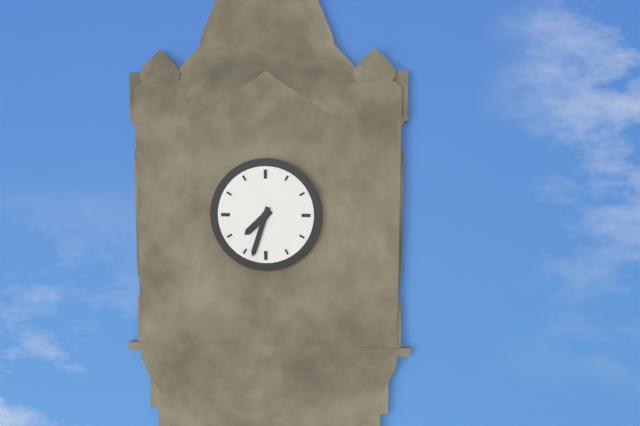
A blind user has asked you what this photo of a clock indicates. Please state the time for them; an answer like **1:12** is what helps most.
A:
**7:33**
